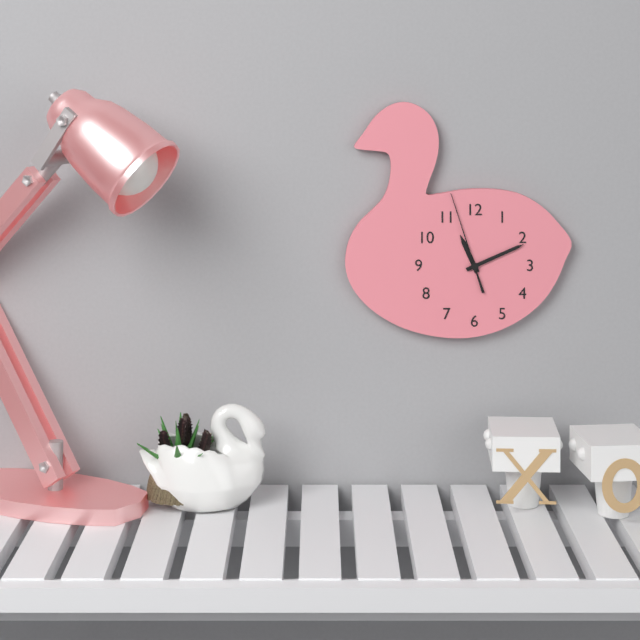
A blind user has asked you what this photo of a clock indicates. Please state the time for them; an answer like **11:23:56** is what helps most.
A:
**11:11:57**
